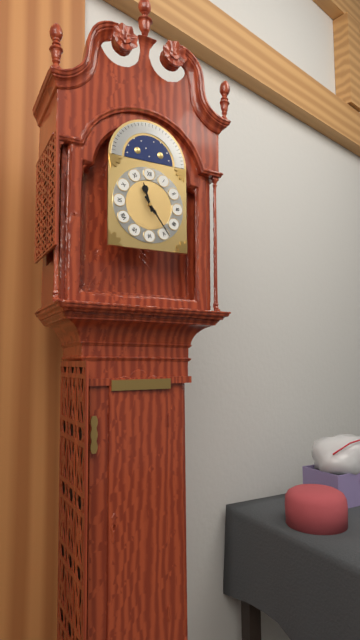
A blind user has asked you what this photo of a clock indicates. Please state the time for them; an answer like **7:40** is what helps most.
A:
**11:24**
